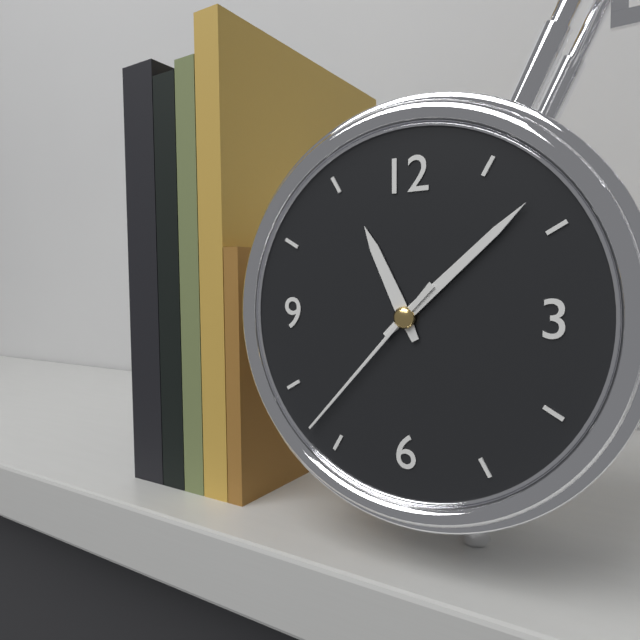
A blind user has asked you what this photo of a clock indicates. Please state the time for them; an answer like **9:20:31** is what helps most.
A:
**11:08:37**
